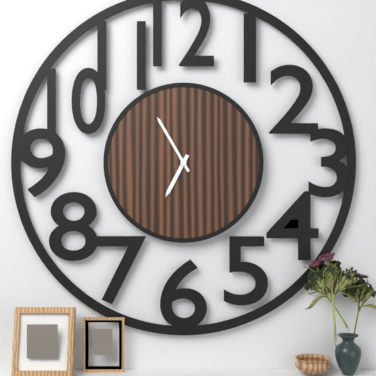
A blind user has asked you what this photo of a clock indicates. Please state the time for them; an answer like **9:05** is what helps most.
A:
**6:55**
